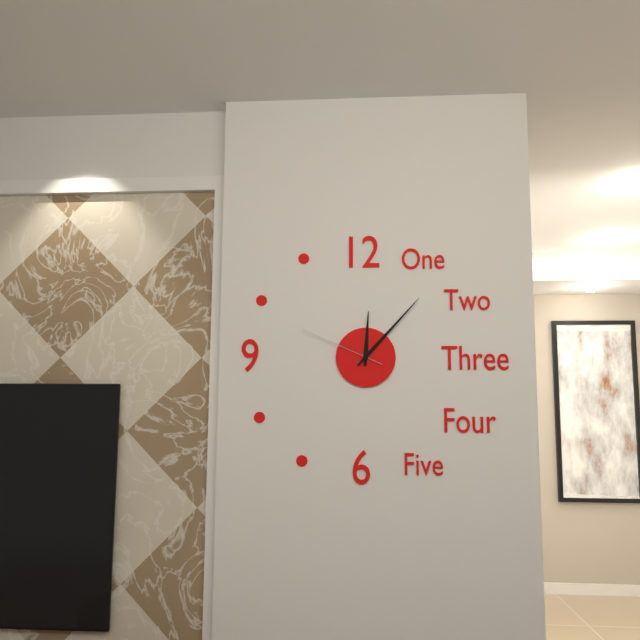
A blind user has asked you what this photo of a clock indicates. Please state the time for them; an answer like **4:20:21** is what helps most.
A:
**12:07:49**
